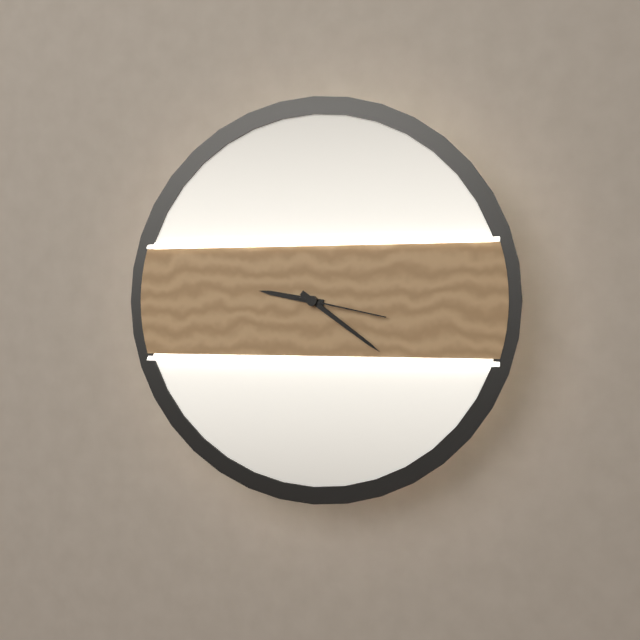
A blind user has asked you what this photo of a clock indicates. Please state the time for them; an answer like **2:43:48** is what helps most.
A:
**9:21:17**
